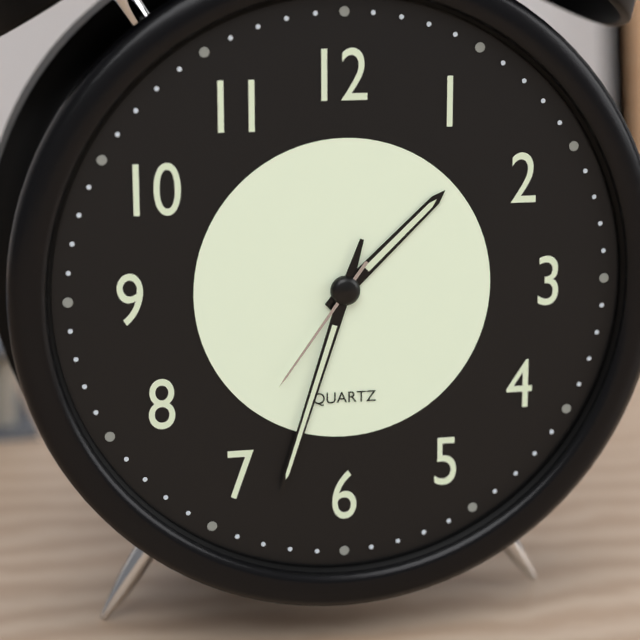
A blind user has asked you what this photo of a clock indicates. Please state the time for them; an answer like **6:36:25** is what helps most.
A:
**1:33:36**
